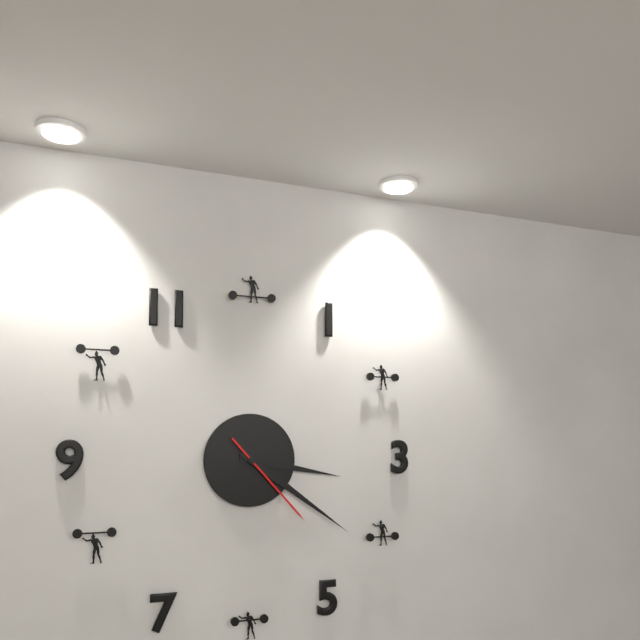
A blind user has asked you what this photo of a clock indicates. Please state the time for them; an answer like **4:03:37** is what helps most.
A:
**3:21:23**
